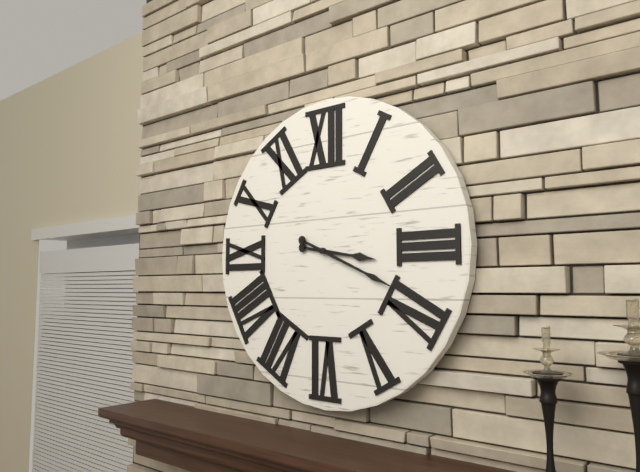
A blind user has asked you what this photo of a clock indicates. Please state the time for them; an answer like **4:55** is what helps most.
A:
**3:19**
